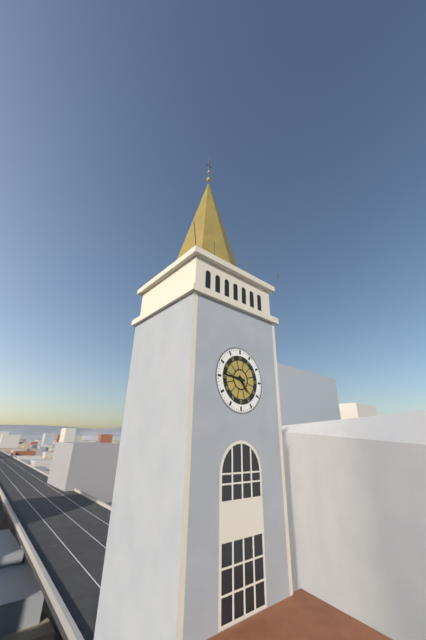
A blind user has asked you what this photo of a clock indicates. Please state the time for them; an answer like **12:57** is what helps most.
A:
**4:46**
